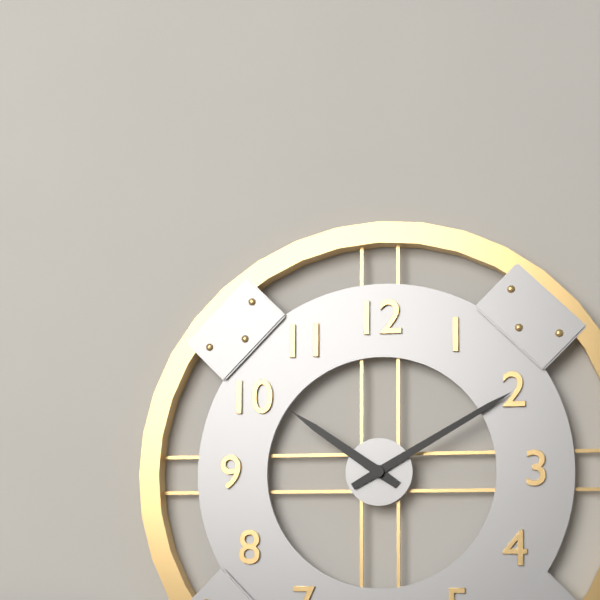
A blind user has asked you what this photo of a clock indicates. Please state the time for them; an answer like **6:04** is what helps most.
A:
**10:10**
